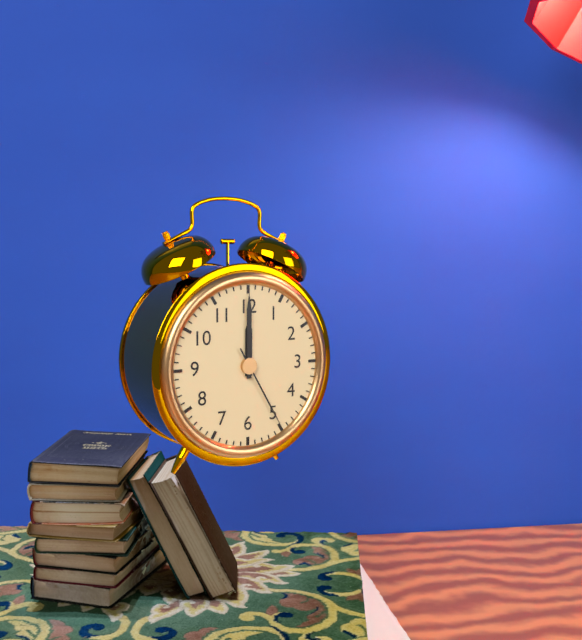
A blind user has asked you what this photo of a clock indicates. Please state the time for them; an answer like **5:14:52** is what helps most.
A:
**12:00:25**
